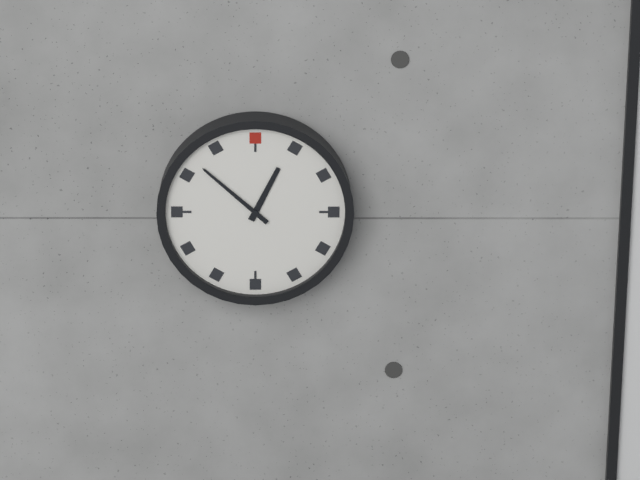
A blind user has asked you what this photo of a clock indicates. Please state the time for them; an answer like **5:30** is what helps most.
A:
**12:52**
